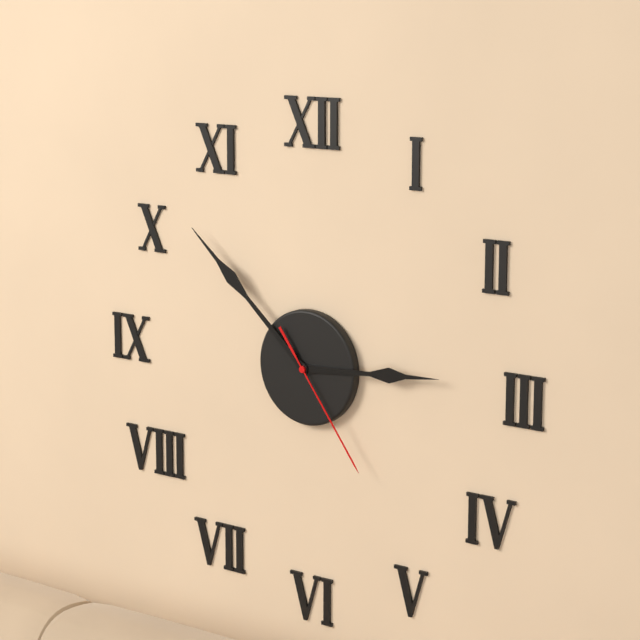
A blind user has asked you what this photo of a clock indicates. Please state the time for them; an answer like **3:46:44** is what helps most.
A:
**2:52:24**
